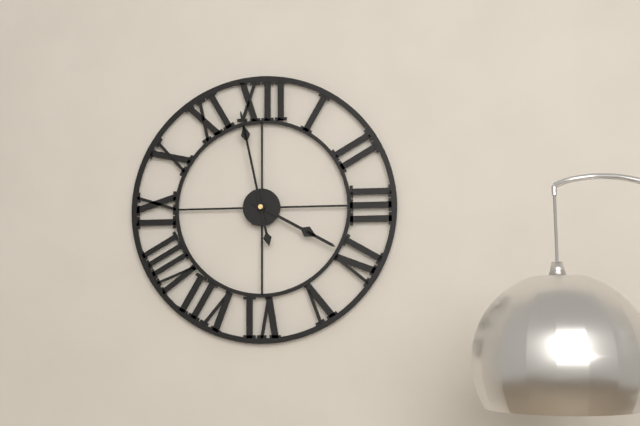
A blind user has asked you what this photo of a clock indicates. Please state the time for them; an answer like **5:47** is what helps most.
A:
**3:58**
